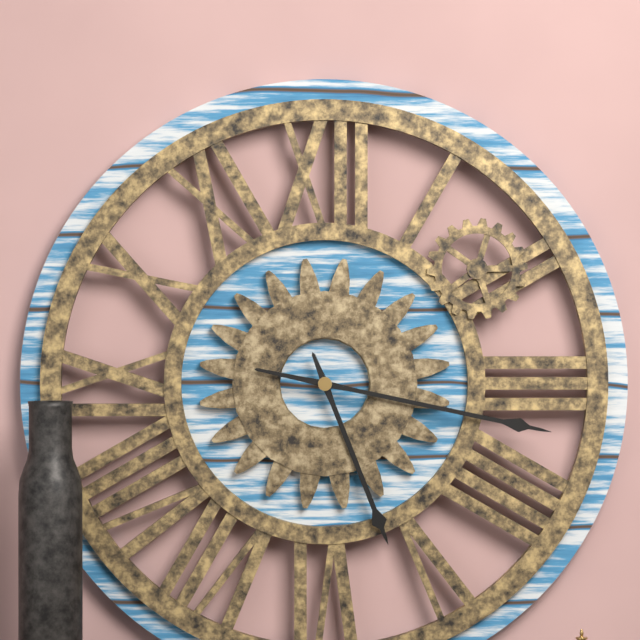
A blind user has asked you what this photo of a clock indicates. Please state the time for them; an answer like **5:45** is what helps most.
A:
**5:17**
